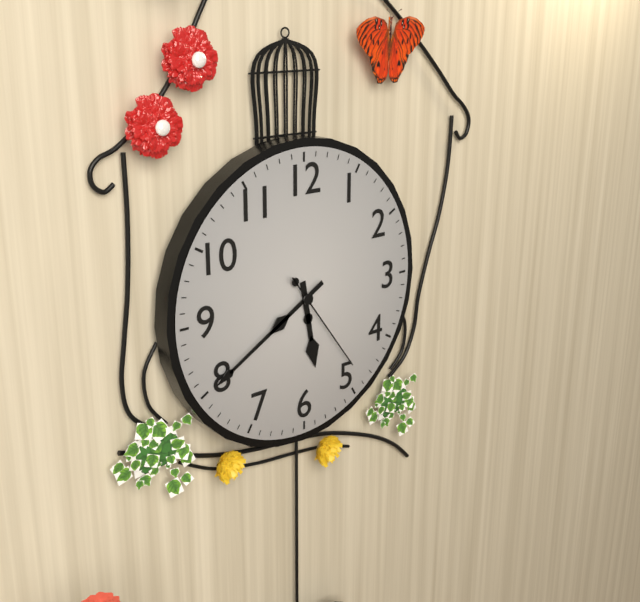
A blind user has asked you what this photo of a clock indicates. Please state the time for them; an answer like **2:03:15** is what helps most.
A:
**5:40:24**
